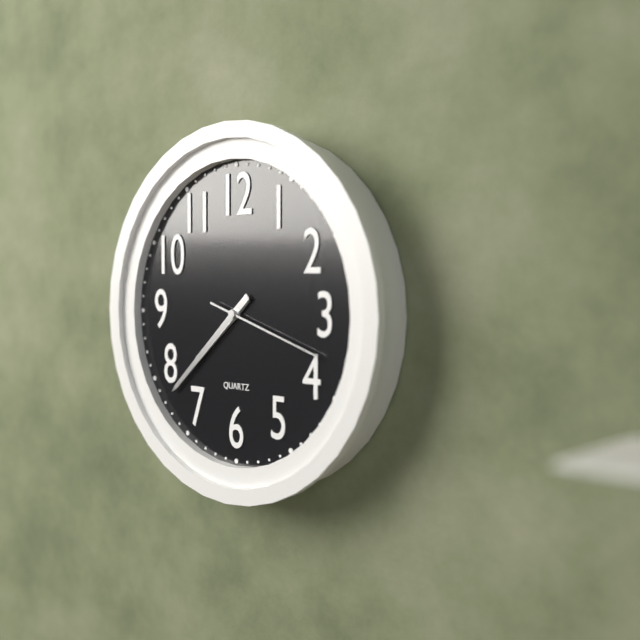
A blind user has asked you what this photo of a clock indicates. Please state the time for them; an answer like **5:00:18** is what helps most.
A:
**7:38:18**
